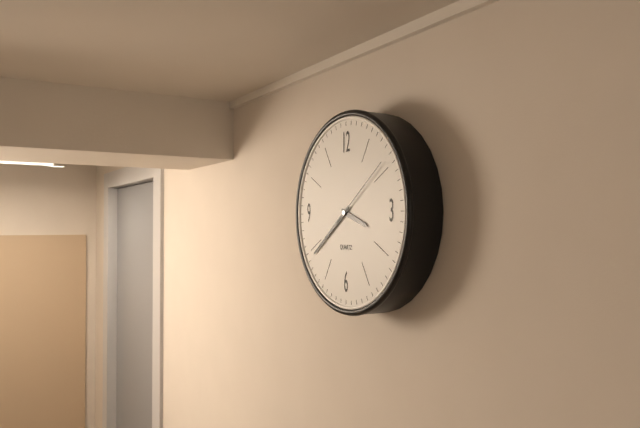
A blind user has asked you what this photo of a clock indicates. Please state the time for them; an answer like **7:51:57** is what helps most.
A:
**3:39:09**
